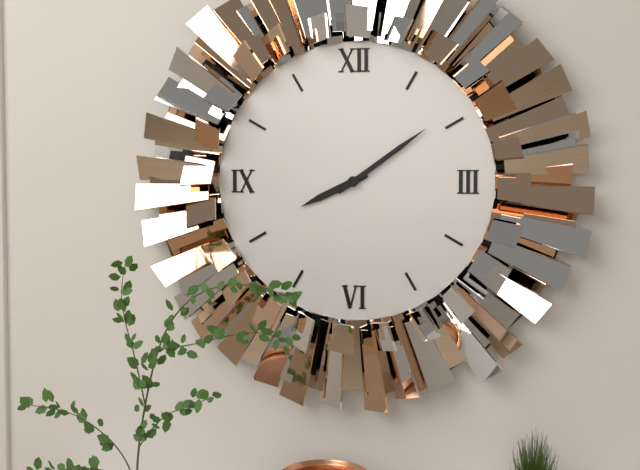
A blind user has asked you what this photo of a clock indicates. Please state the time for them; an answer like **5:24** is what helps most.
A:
**8:09**
